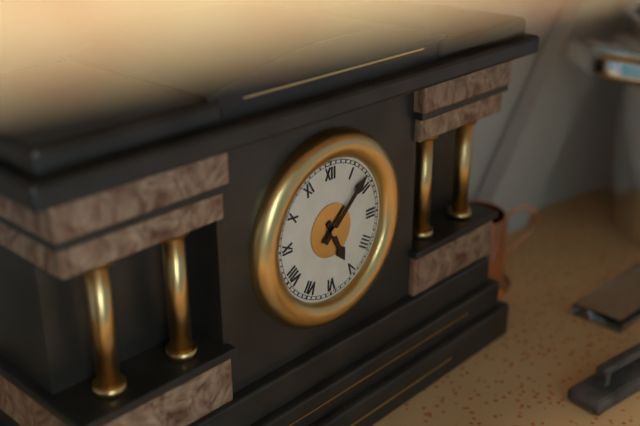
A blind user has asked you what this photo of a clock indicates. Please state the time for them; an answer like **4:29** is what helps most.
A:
**5:08**
